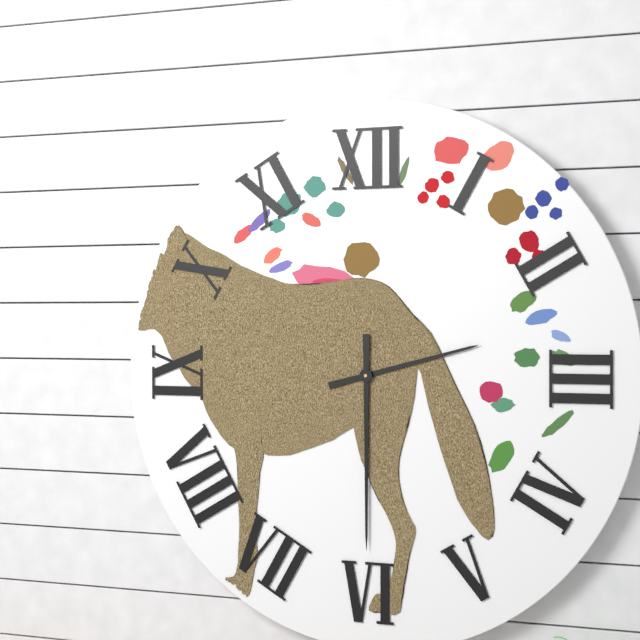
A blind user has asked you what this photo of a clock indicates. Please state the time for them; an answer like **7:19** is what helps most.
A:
**2:30**
